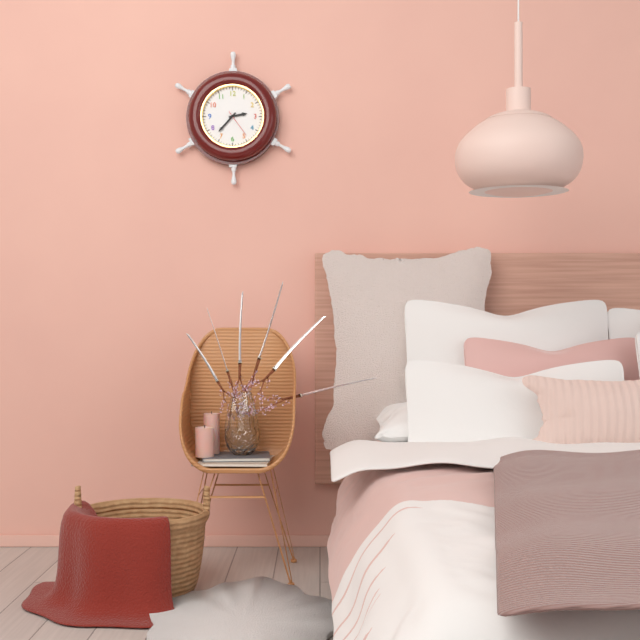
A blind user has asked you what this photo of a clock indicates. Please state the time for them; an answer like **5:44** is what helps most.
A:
**2:37**
